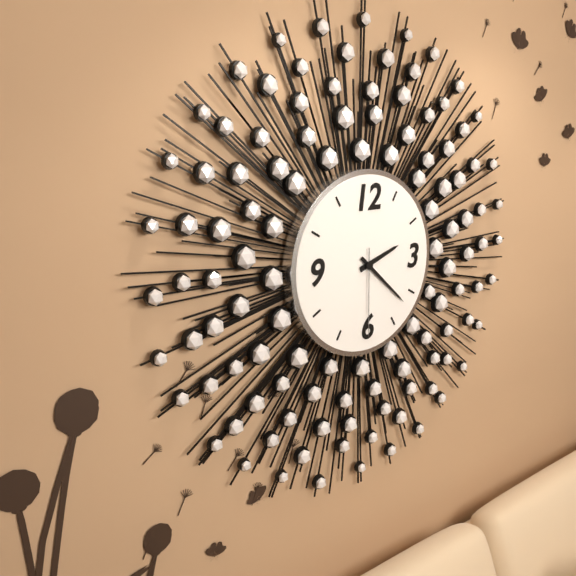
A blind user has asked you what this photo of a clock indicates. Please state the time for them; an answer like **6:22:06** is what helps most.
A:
**2:22:30**
